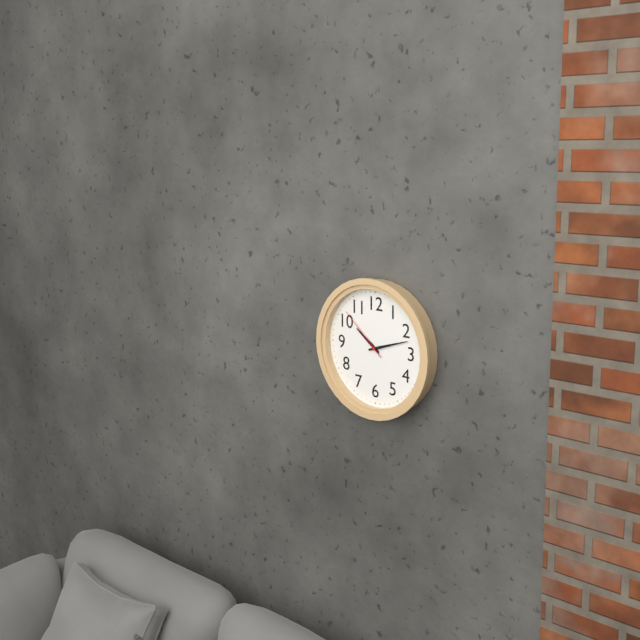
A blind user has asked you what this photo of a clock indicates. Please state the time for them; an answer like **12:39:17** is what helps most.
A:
**10:12:52**
